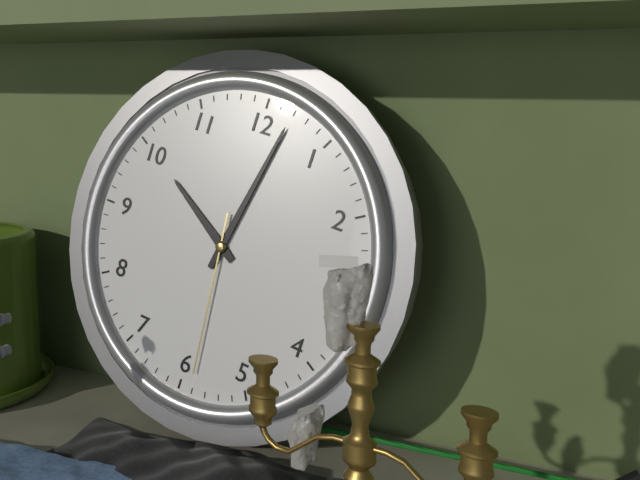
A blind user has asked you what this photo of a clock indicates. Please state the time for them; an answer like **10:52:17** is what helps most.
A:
**10:02:29**
